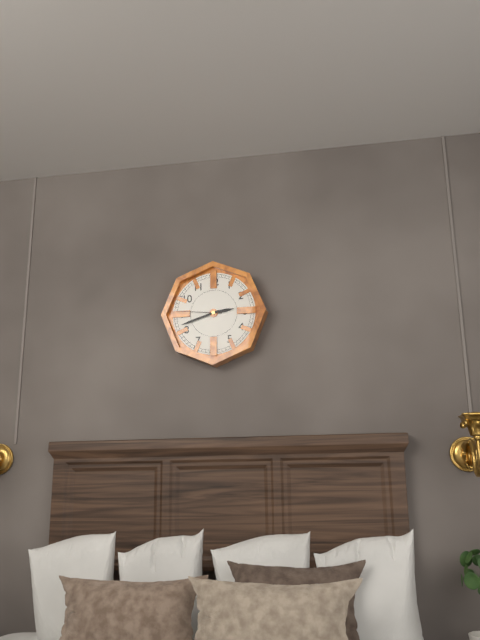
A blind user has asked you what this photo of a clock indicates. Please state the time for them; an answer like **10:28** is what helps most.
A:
**2:42**
